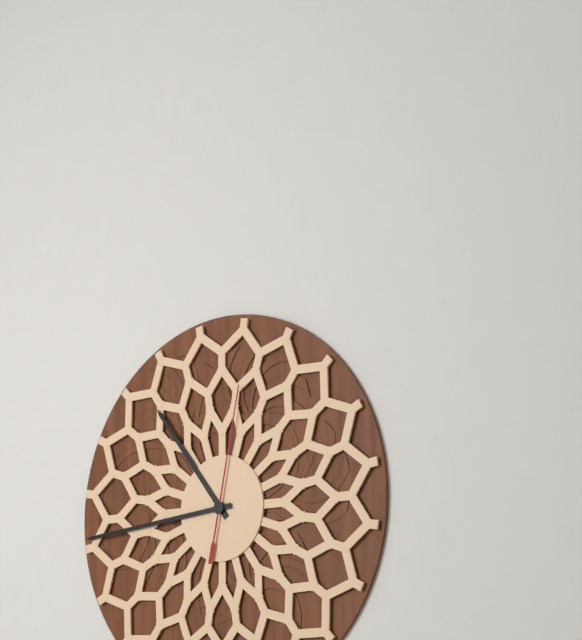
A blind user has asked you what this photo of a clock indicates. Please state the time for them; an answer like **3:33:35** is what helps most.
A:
**10:44:02**
